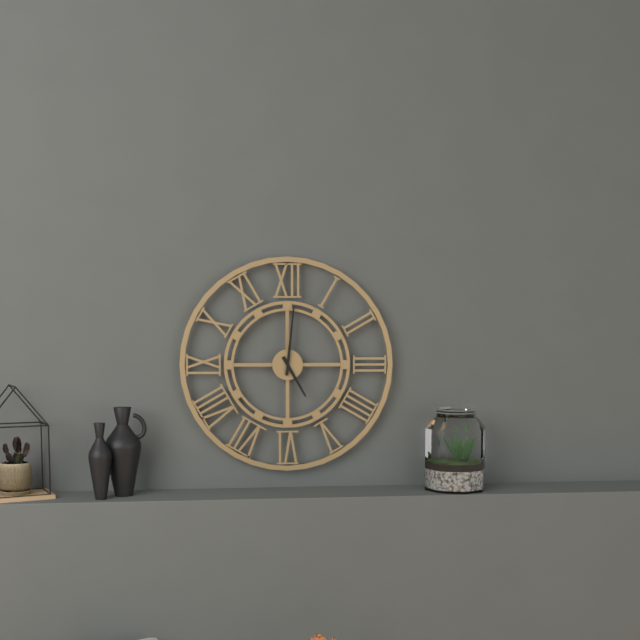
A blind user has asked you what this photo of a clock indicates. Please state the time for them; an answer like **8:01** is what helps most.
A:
**5:01**
